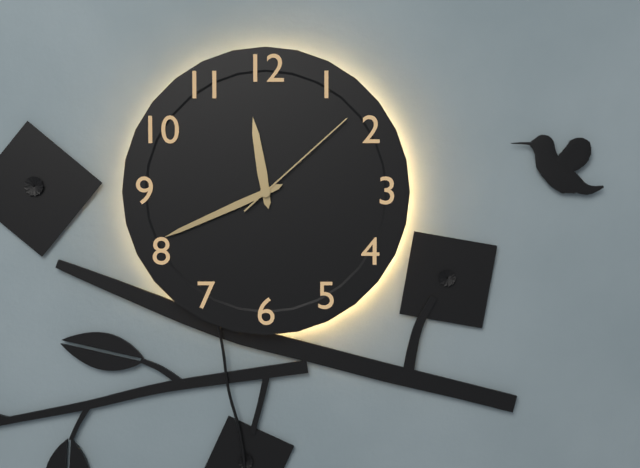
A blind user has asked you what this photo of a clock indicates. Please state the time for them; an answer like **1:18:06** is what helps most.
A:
**11:41:08**
